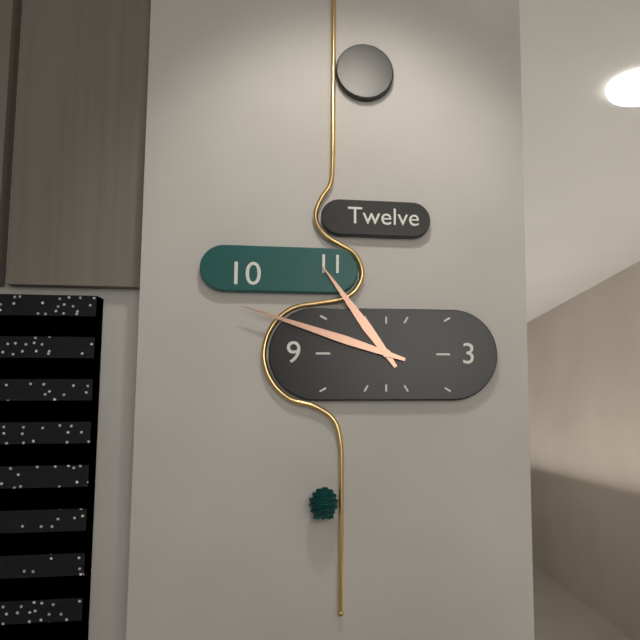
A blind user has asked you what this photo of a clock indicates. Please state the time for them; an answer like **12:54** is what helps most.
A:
**10:48**
